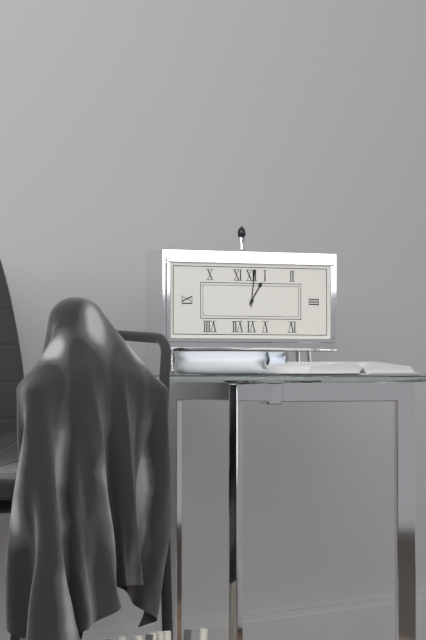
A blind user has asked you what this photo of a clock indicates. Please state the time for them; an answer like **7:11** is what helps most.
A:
**1:01**
